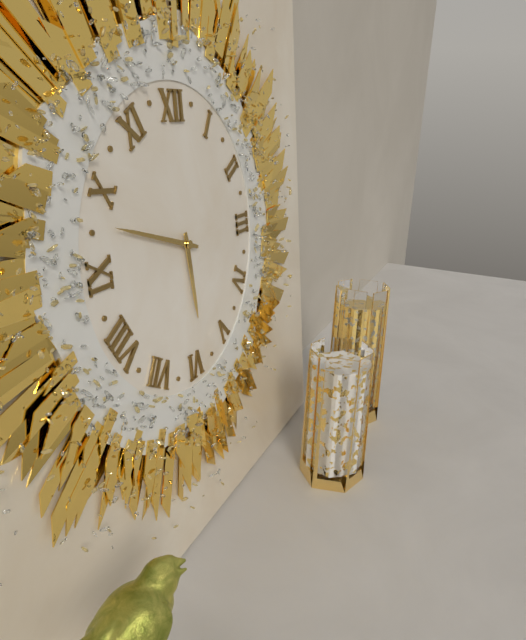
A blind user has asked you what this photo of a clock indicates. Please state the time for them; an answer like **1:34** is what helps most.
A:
**5:48**
